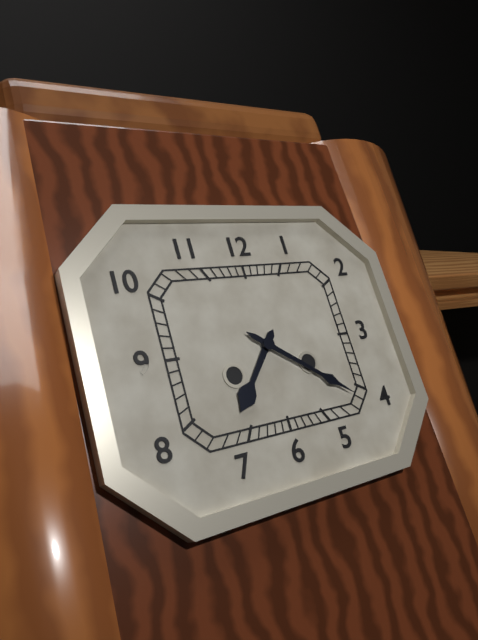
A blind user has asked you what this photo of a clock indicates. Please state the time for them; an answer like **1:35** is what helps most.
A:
**7:21**
